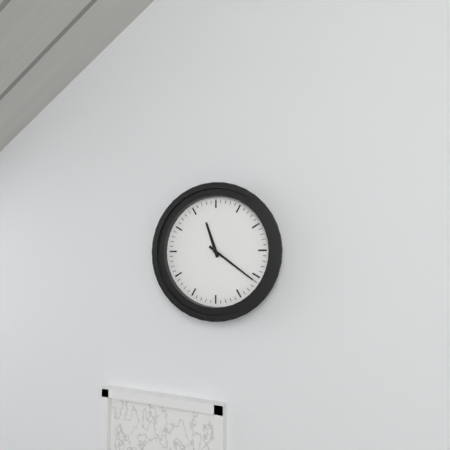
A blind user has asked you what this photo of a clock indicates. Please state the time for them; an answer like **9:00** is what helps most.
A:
**11:21**
